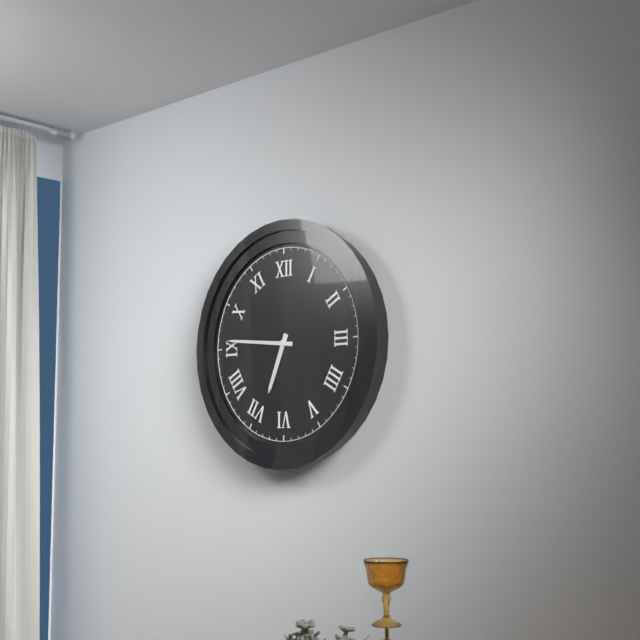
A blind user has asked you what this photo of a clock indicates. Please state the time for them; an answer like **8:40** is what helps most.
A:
**6:46**
